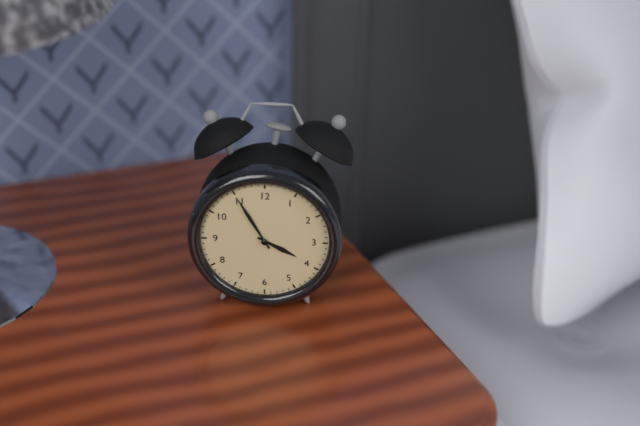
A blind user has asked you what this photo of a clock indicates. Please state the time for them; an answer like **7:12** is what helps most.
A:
**3:55**
